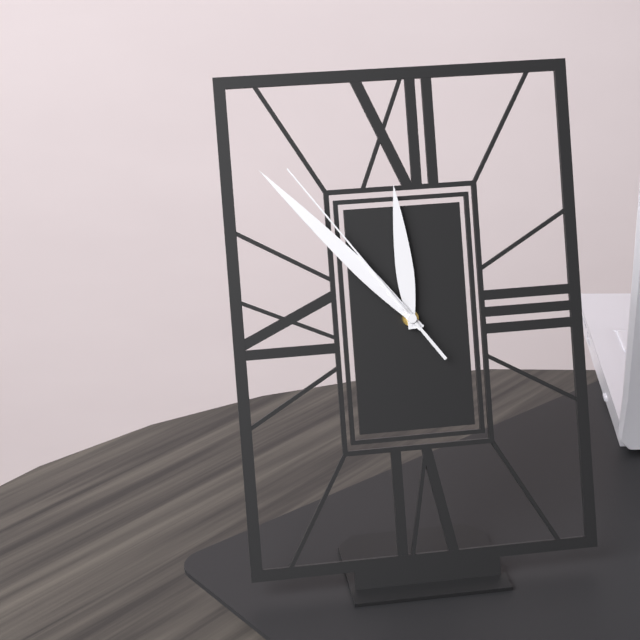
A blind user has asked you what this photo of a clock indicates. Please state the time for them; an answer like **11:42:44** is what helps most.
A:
**11:53:54**
